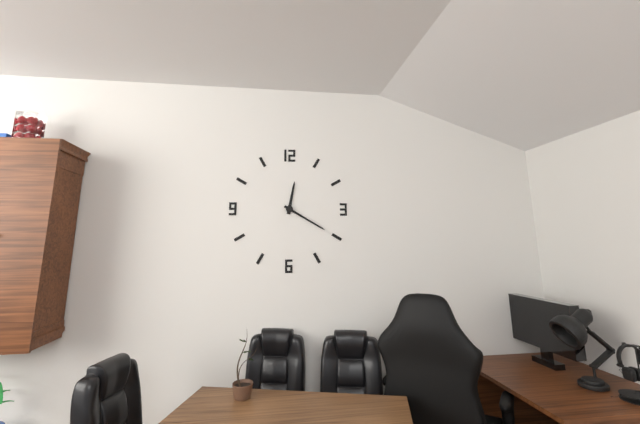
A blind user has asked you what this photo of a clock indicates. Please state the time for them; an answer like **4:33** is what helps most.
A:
**12:20**
